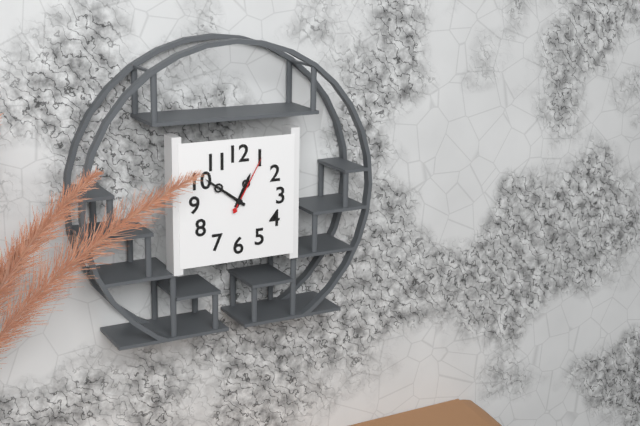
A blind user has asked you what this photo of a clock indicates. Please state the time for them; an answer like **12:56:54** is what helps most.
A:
**12:51:05**
